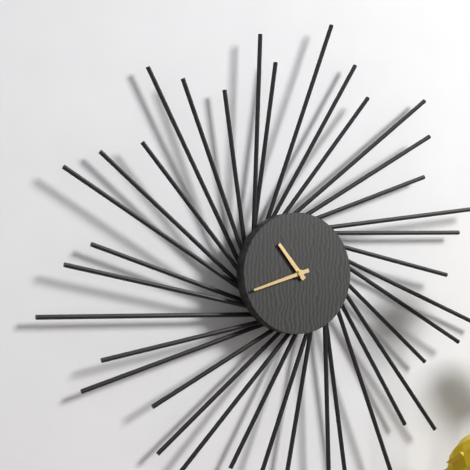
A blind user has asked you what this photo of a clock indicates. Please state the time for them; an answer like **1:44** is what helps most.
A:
**10:42**
